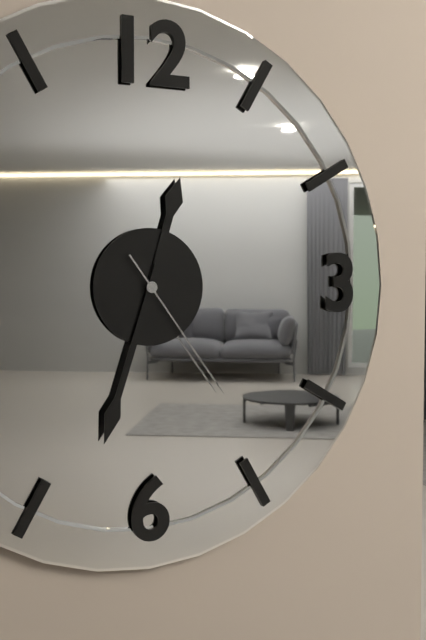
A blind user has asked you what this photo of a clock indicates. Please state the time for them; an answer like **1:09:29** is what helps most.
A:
**12:33:24**
